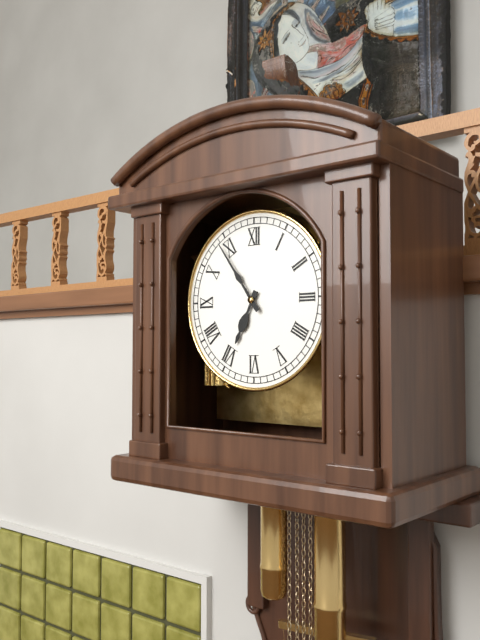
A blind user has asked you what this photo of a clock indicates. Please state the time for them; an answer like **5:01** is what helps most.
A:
**6:54**
